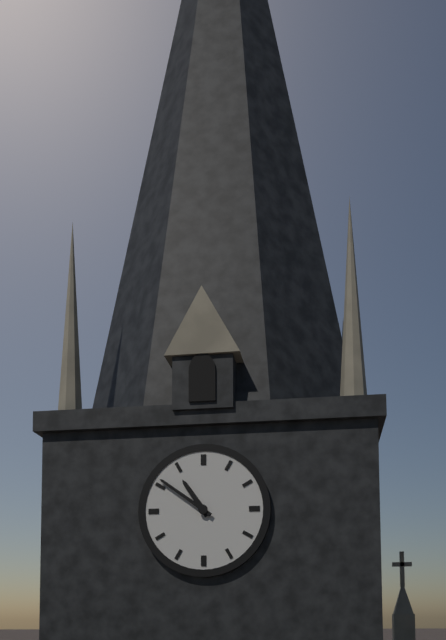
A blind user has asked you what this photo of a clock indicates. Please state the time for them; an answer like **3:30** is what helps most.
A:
**10:51**
